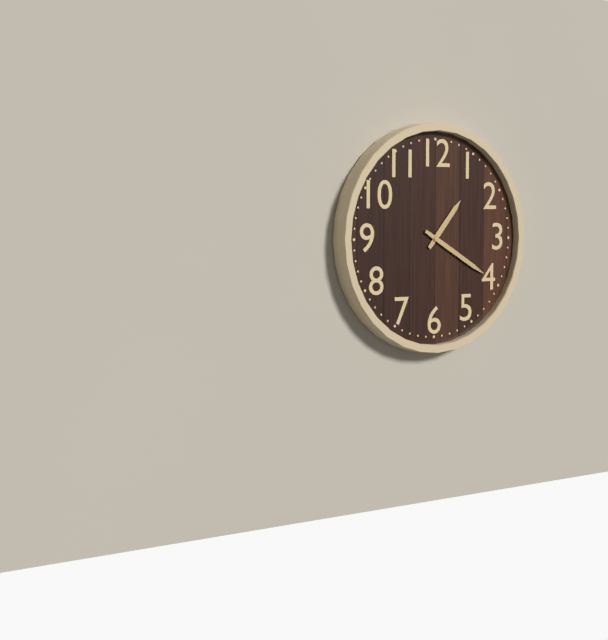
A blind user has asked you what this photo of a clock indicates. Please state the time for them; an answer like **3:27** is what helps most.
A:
**1:20**
